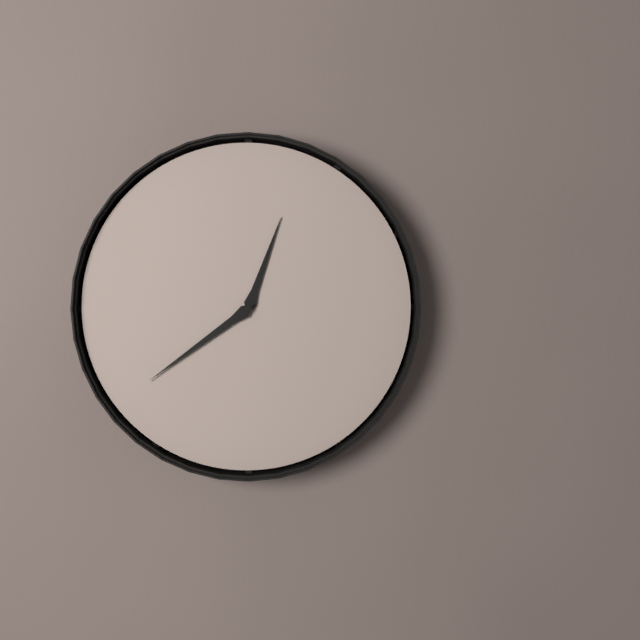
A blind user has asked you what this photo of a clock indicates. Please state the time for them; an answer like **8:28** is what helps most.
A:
**12:39**
